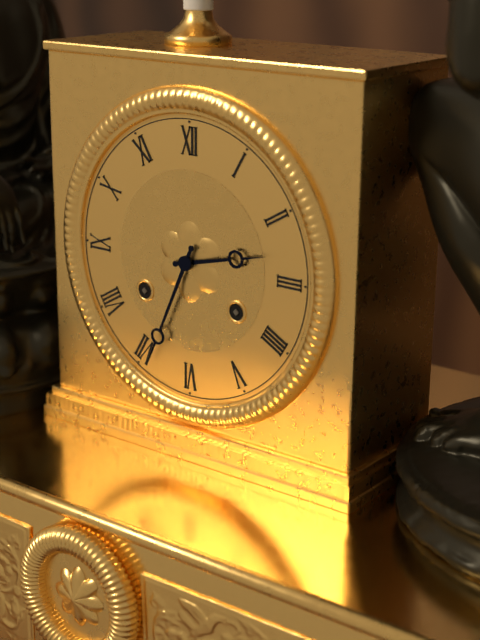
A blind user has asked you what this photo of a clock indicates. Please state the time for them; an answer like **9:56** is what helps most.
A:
**2:34**
